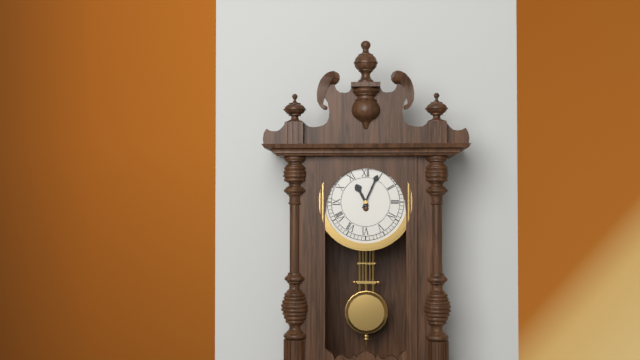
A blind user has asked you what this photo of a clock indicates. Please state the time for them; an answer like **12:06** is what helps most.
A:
**11:04**
